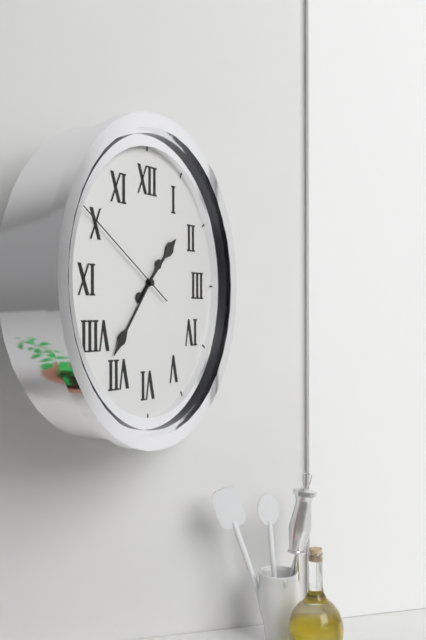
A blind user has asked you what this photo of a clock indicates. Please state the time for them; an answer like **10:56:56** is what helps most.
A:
**1:37:50**
